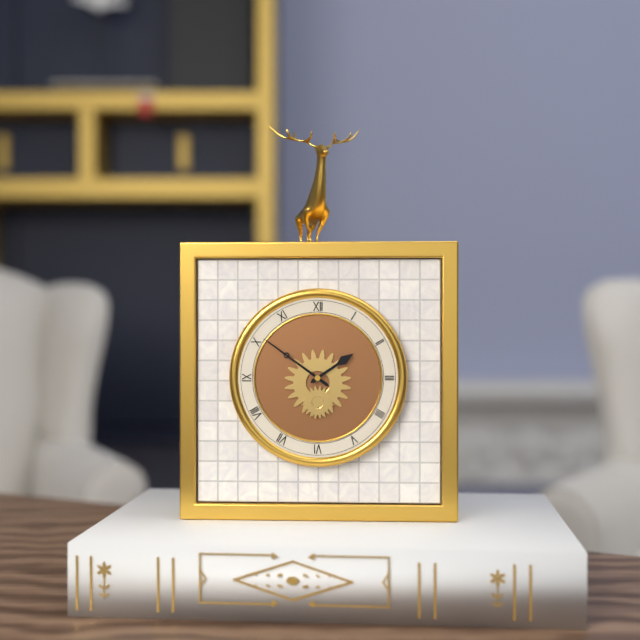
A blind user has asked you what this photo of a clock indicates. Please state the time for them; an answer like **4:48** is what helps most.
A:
**1:51**
